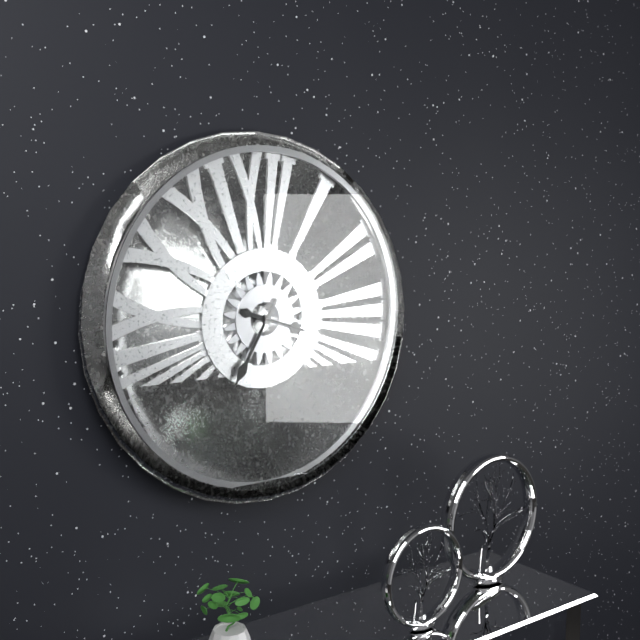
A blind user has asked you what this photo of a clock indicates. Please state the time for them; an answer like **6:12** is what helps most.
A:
**3:35**
